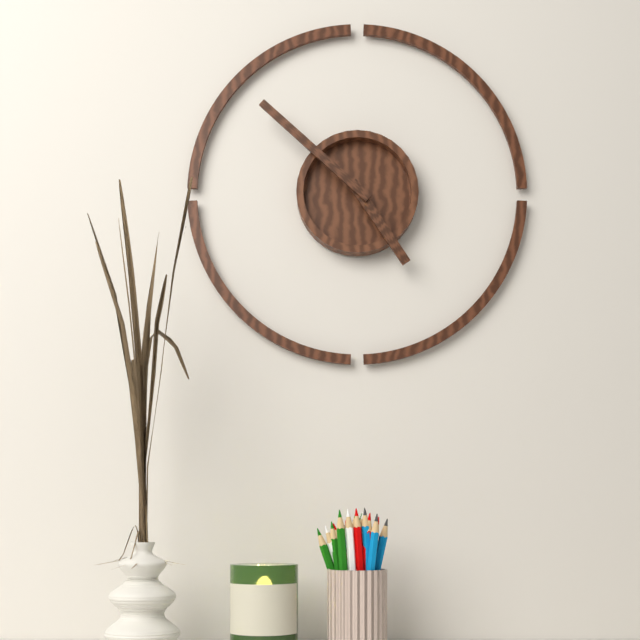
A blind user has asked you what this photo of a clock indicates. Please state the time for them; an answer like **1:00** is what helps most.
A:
**4:52**
